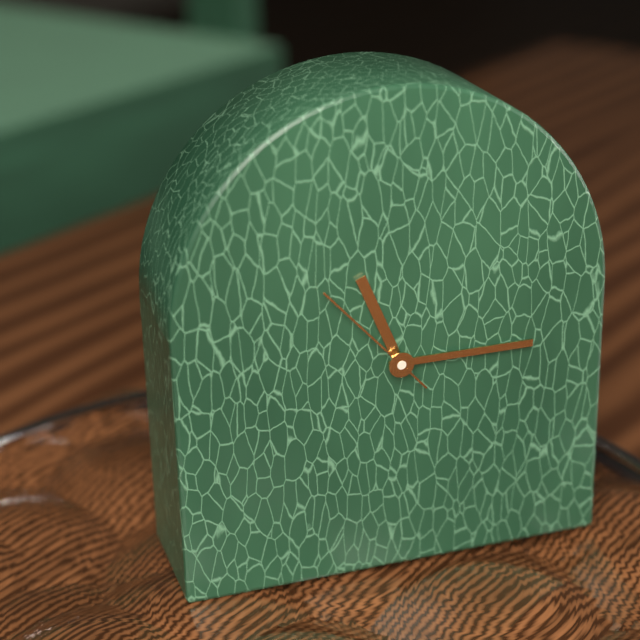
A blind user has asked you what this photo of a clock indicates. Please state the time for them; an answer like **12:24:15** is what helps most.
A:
**11:15:53**
